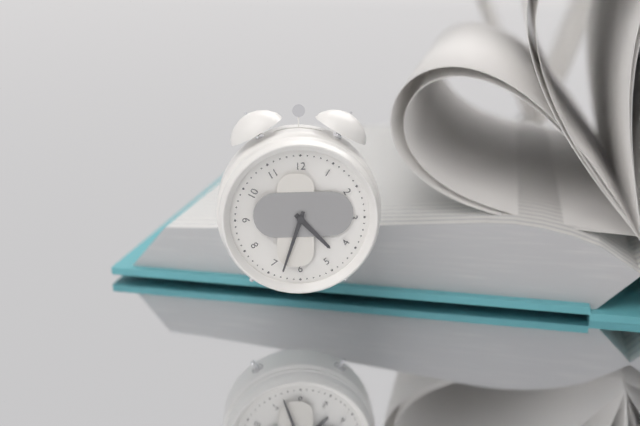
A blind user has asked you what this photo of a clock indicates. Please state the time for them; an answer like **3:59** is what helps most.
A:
**4:33**
